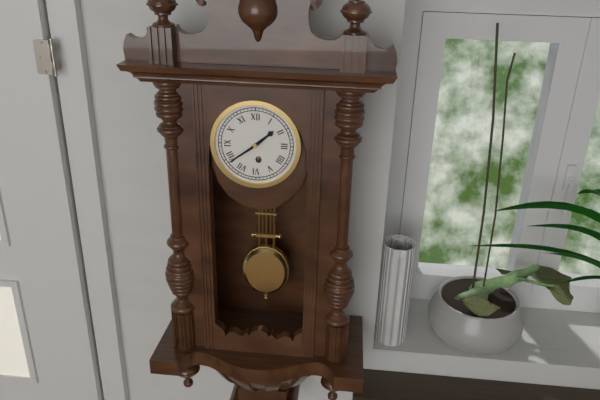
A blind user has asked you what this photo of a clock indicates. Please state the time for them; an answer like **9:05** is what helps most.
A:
**1:39**
